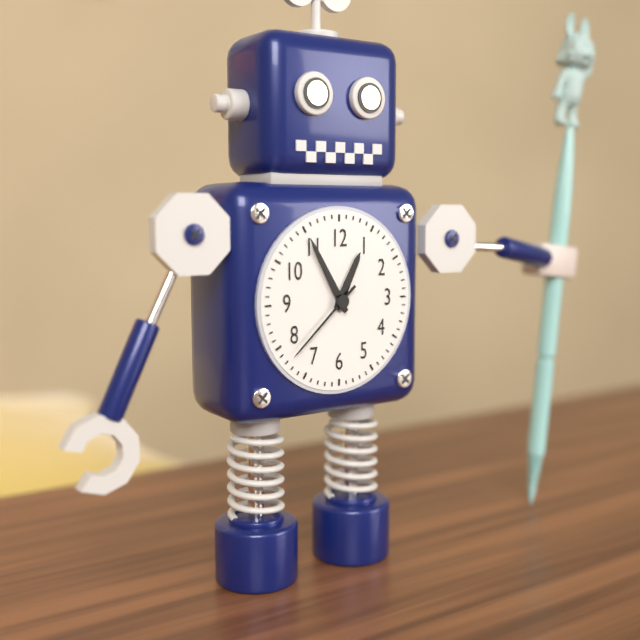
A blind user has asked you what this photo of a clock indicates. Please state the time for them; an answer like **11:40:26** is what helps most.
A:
**12:55:38**
